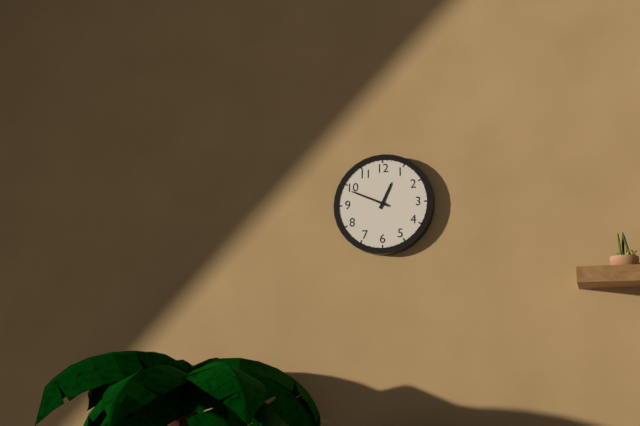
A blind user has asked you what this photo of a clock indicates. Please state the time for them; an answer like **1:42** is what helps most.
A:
**12:49**
